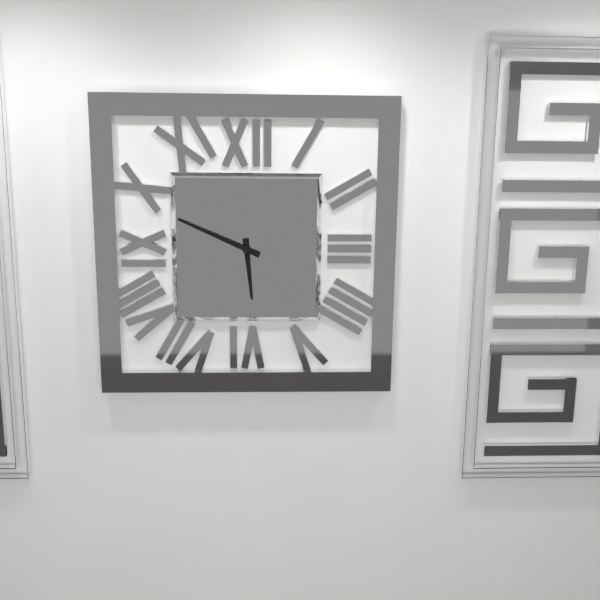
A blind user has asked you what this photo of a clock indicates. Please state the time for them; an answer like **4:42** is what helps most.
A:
**5:49**
